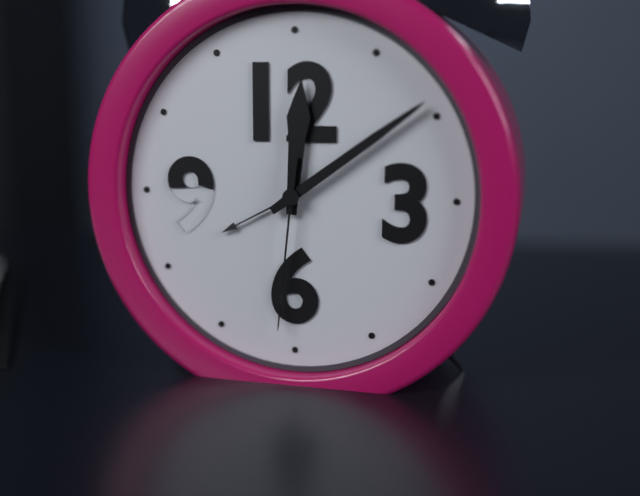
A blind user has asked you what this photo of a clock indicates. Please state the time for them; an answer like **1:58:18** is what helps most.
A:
**12:09:31**
